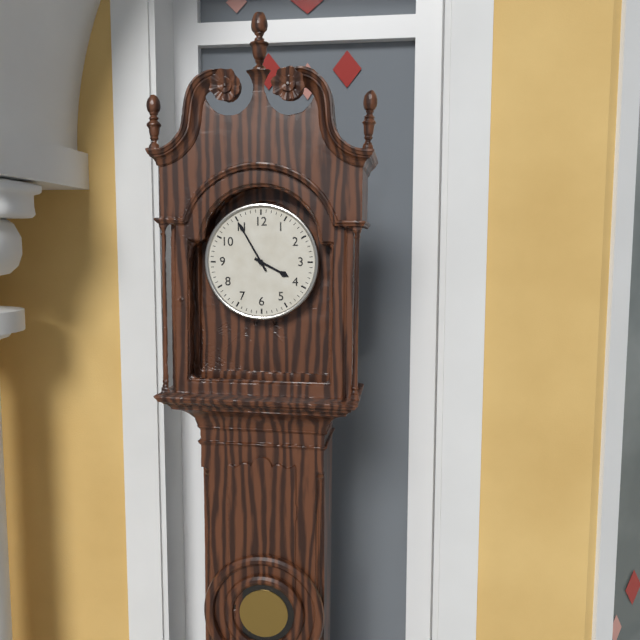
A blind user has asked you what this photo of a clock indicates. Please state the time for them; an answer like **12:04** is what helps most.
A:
**3:55**
